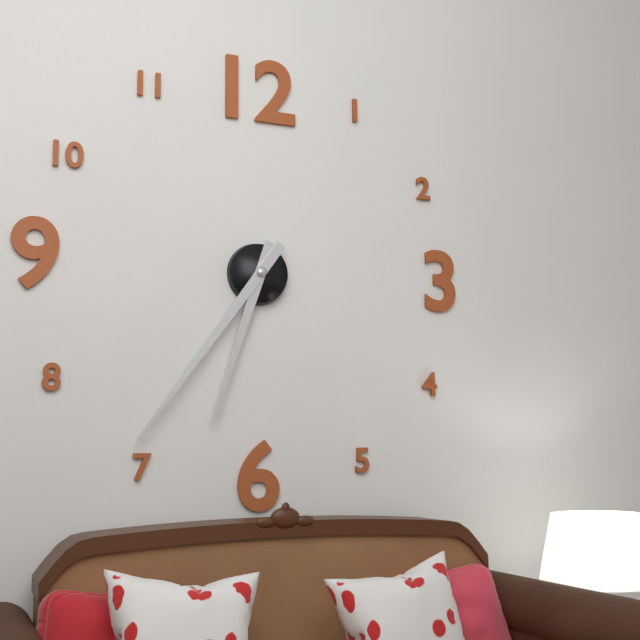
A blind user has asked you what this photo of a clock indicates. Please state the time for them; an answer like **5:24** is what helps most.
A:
**6:36**
